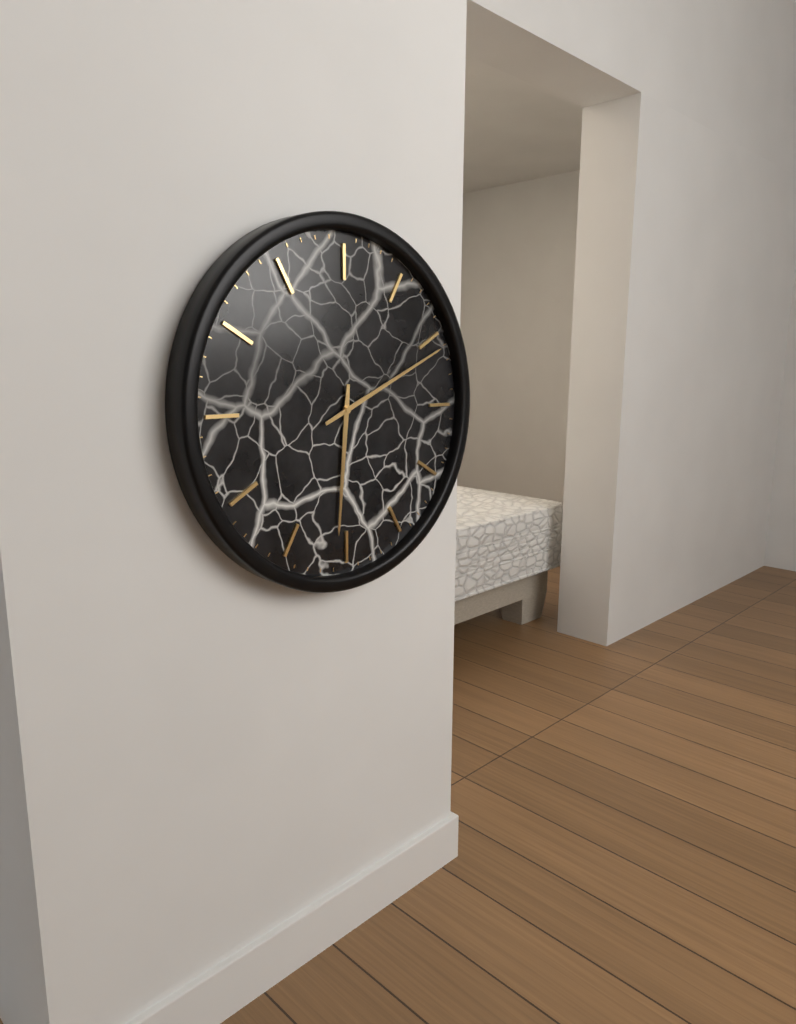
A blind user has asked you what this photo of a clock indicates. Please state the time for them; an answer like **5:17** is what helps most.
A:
**6:11**
